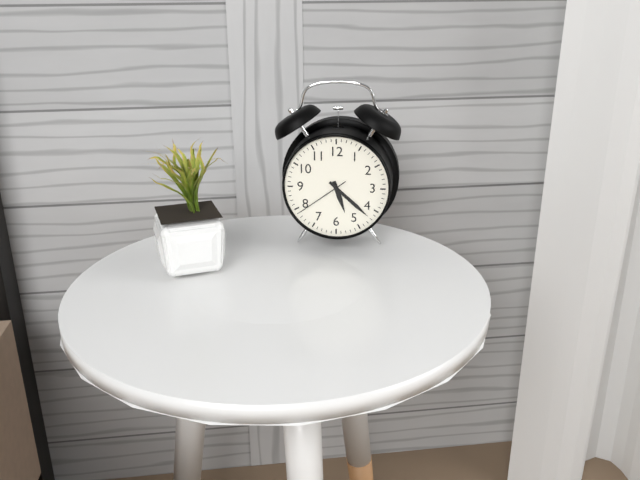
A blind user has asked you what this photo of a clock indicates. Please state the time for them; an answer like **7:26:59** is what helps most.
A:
**5:22:39**
